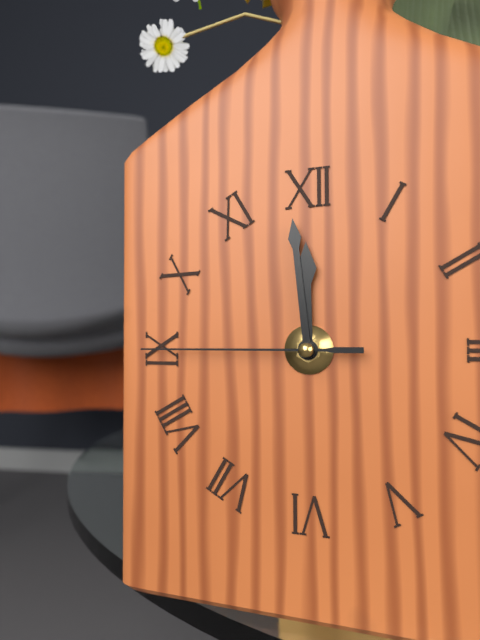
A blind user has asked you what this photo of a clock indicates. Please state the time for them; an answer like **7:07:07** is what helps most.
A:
**11:59:45**
